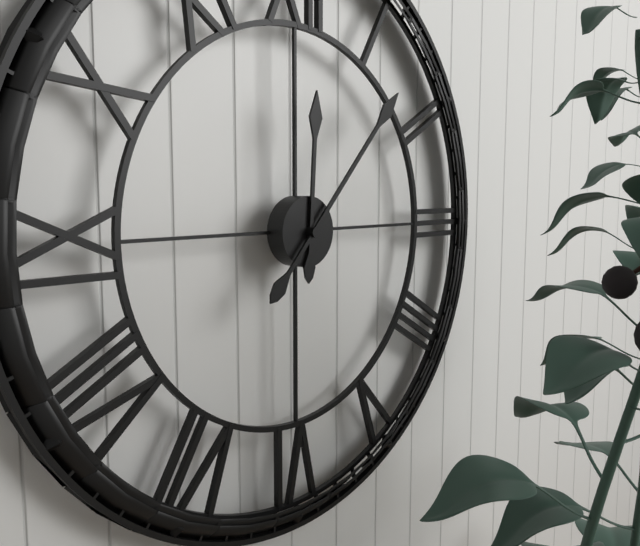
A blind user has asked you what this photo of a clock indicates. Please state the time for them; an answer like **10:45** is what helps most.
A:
**12:07**
